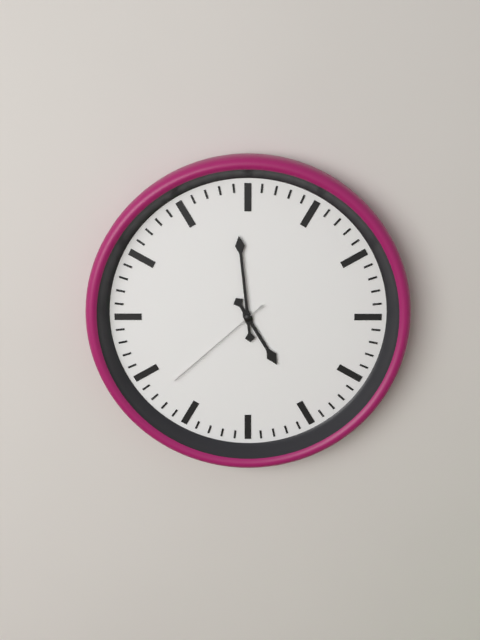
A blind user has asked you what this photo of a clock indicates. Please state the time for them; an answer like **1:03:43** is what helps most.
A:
**4:59:38**
